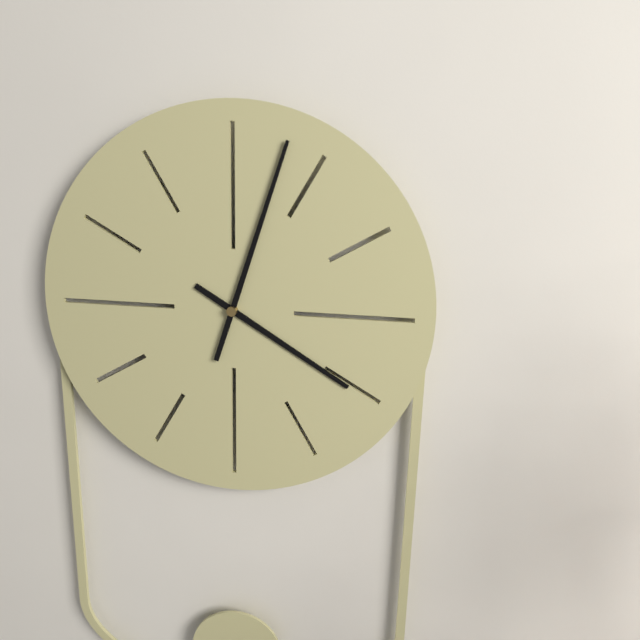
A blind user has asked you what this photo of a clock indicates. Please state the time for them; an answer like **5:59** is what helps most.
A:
**4:03**
